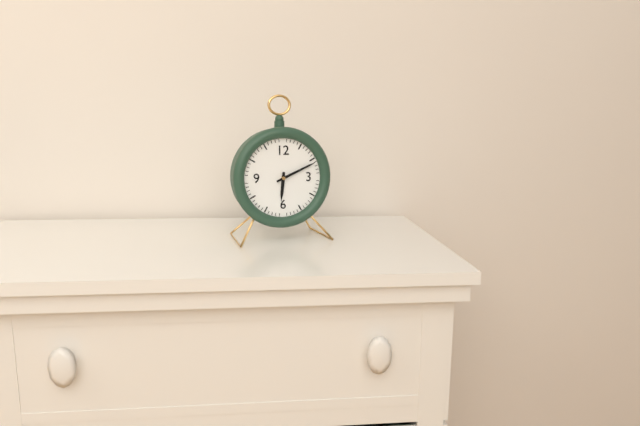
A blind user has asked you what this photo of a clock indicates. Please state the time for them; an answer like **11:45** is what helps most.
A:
**6:11**
